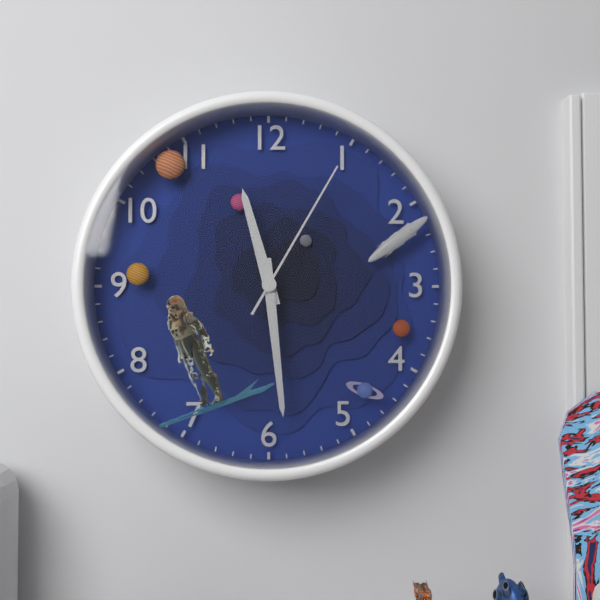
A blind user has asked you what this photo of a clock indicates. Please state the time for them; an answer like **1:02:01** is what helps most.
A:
**11:29:05**
